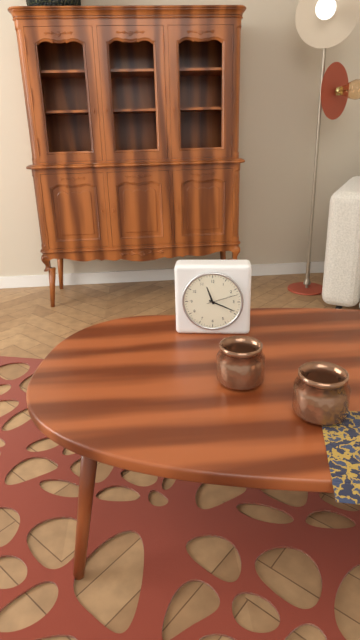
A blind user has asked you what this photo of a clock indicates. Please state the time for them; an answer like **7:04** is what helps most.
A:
**11:19**
